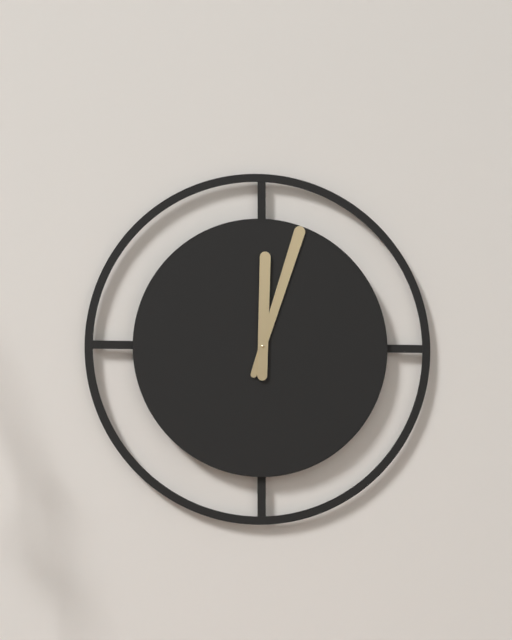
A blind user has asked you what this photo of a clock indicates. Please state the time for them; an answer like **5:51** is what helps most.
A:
**12:03**
